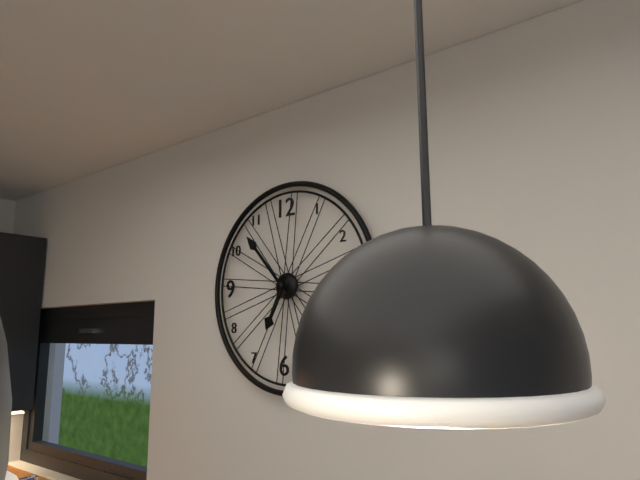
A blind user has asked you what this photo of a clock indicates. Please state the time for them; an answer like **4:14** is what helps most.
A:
**6:53**
